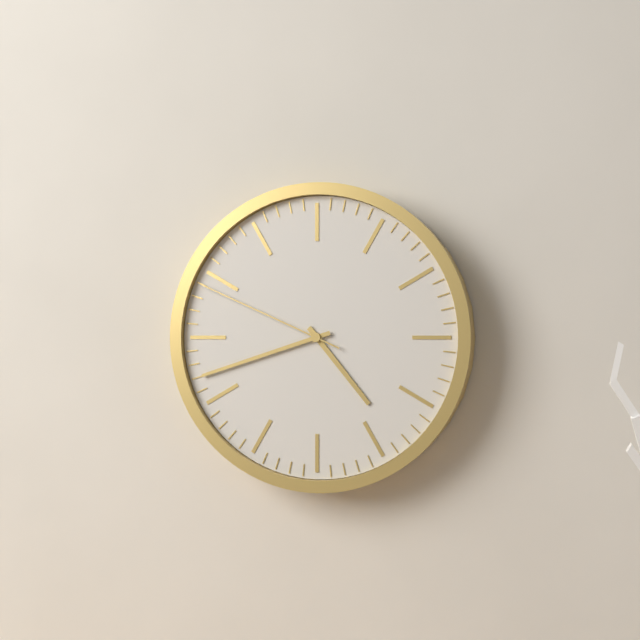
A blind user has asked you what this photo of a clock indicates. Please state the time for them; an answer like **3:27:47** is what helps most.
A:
**4:42:49**
